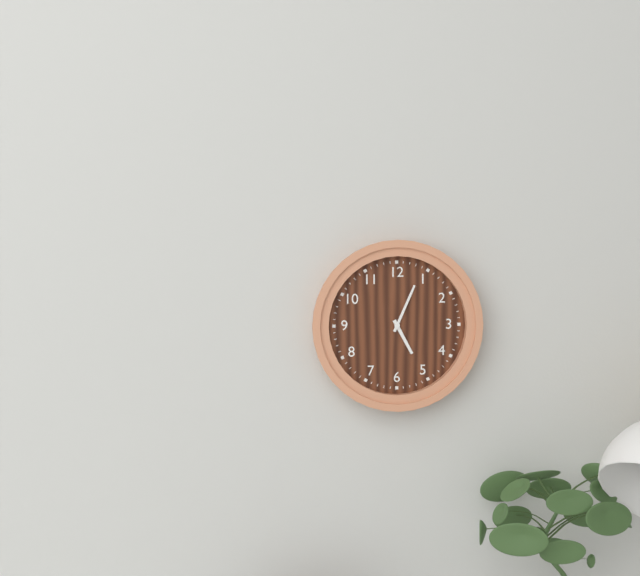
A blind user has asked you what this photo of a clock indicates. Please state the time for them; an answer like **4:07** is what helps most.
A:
**5:04**
